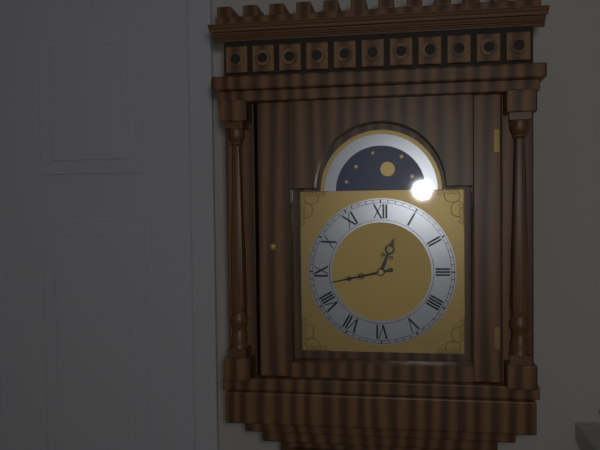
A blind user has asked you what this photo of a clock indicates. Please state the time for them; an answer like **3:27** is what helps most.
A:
**12:43**
